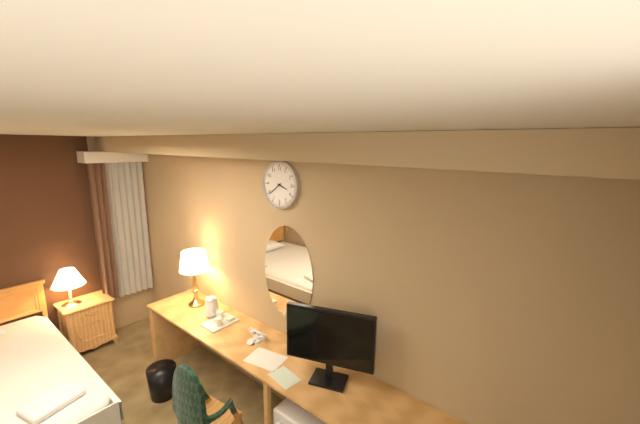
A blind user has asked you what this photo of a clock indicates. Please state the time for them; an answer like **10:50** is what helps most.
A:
**3:39**
